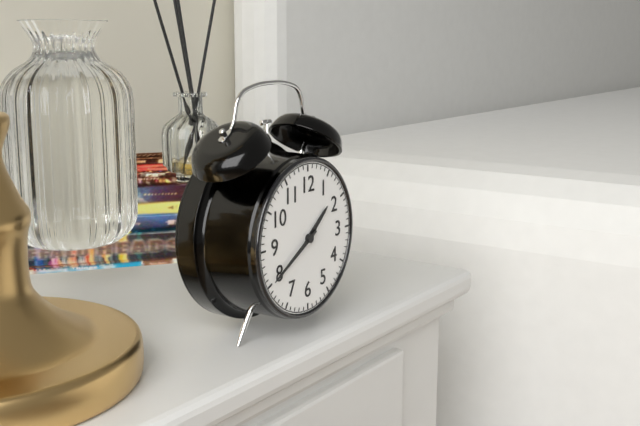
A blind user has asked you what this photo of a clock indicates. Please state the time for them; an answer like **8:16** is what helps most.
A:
**1:40**
